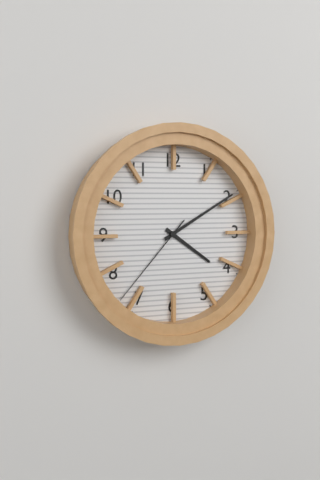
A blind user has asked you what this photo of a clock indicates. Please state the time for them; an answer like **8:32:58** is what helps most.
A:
**4:10:37**
